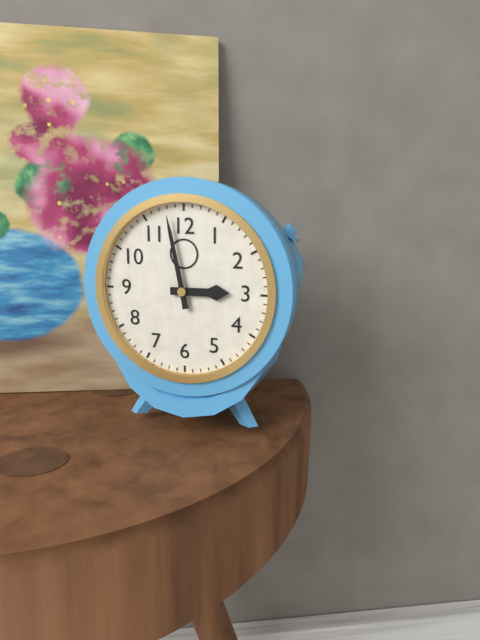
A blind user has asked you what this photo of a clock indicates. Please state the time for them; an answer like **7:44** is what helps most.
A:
**2:58**
